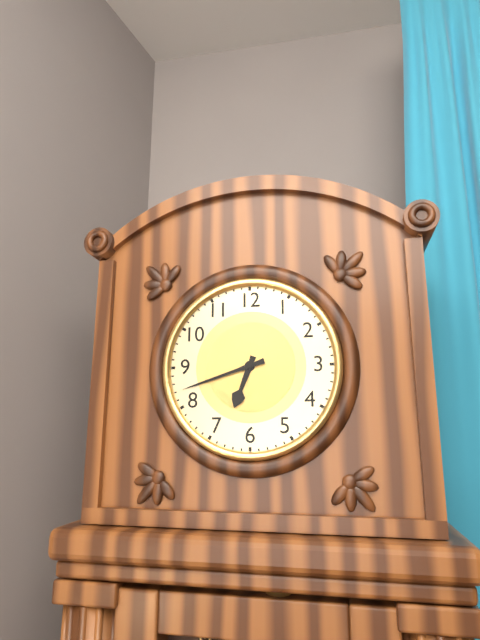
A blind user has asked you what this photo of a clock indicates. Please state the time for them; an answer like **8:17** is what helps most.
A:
**6:42**
